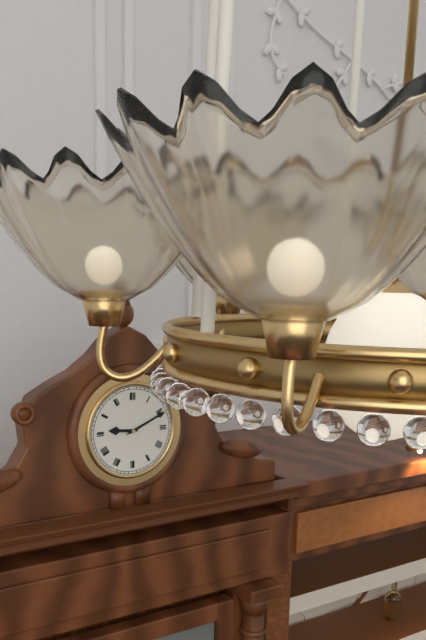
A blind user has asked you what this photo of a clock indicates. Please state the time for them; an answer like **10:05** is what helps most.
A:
**9:11**
